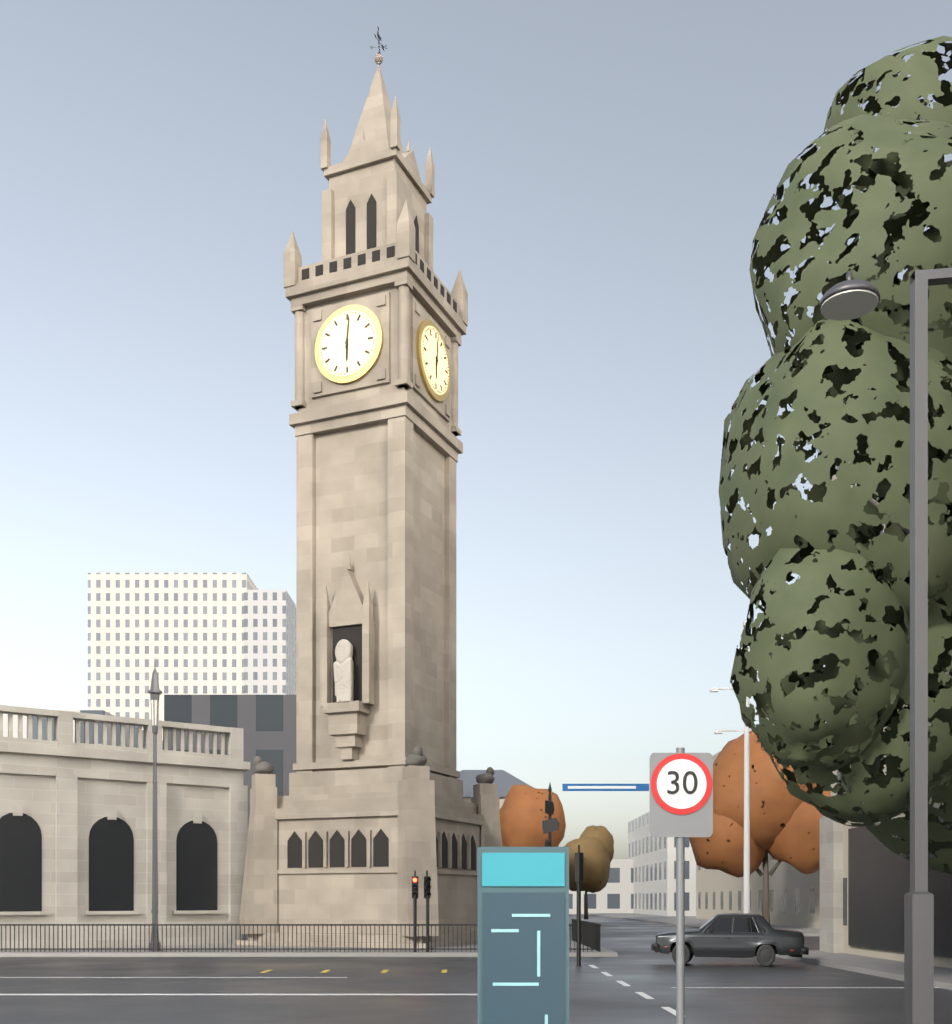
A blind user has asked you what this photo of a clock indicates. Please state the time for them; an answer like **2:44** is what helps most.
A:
**6:01**
